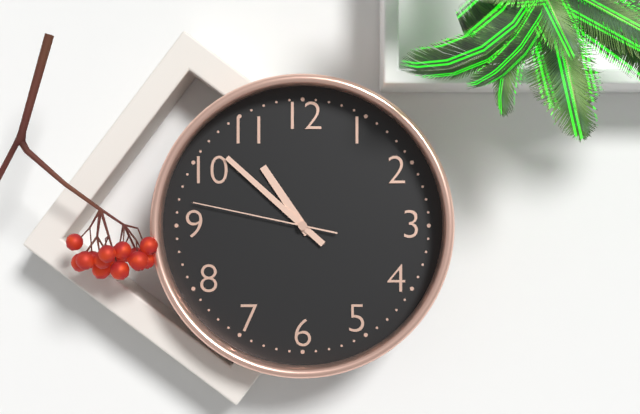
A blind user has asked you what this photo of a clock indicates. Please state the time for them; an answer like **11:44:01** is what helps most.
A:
**10:52:47**
